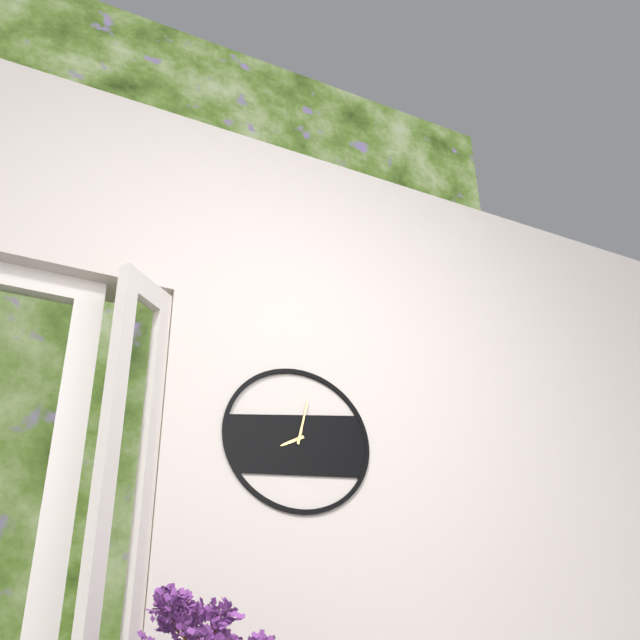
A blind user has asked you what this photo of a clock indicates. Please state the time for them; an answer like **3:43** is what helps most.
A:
**8:02**
